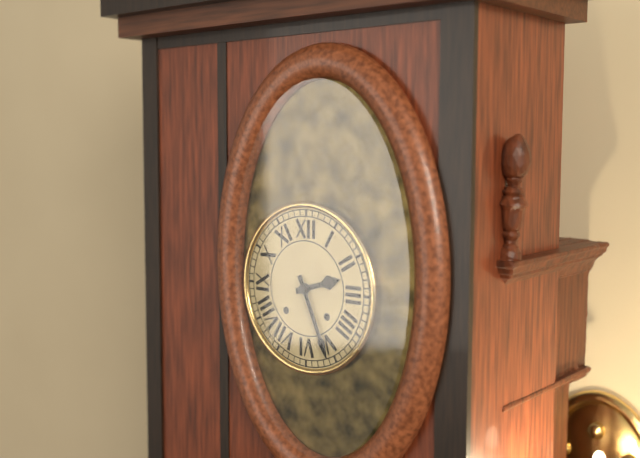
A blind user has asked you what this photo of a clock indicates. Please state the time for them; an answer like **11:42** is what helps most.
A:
**2:26**
